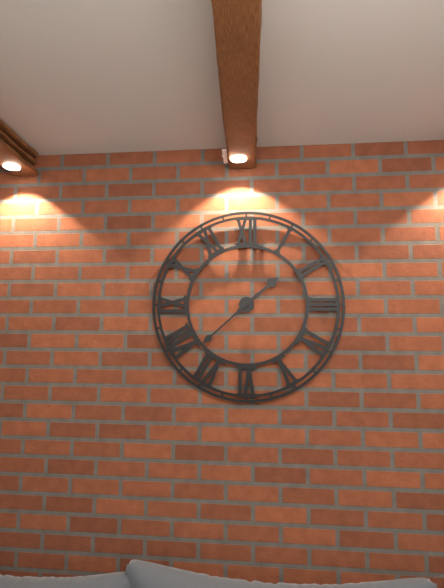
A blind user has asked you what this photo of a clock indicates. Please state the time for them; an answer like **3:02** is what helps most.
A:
**1:38**
